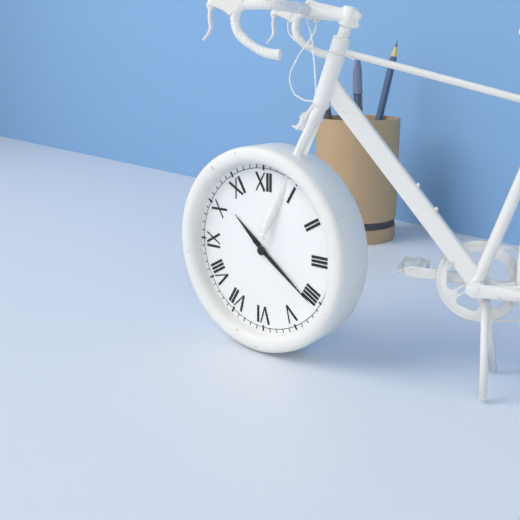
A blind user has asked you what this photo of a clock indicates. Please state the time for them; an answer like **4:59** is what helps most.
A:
**10:21**
